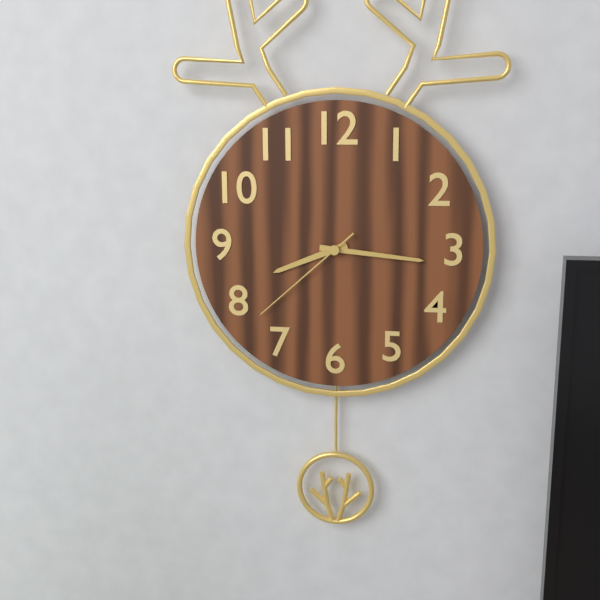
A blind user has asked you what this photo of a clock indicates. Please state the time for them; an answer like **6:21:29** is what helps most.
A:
**8:16:38**
